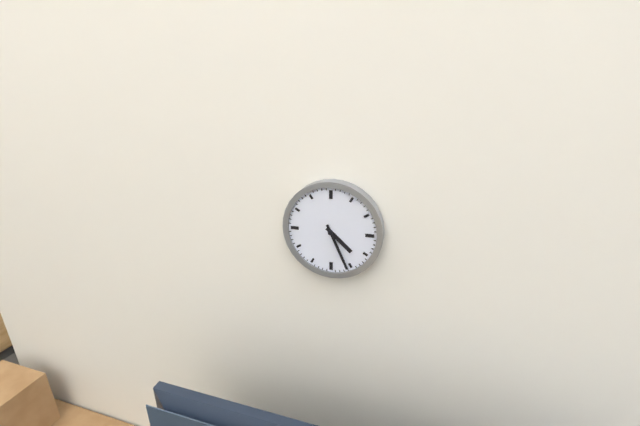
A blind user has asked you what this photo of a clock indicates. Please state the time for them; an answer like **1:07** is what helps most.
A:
**4:26**
